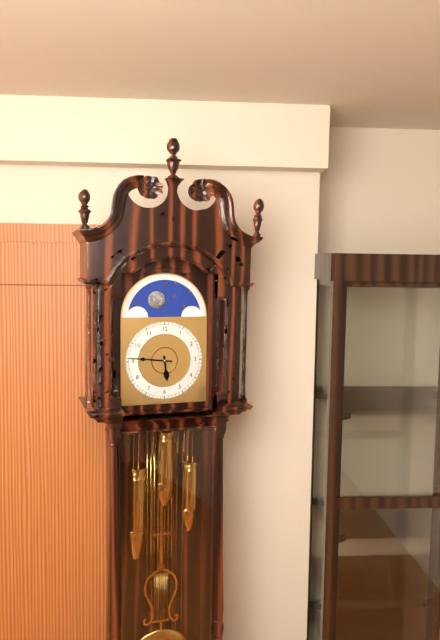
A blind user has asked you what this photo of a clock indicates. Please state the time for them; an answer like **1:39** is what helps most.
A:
**5:46**
